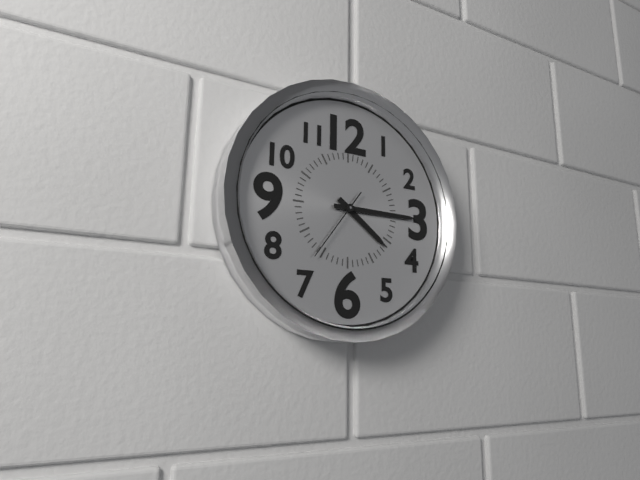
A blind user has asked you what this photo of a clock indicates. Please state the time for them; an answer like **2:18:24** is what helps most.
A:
**4:15:36**
